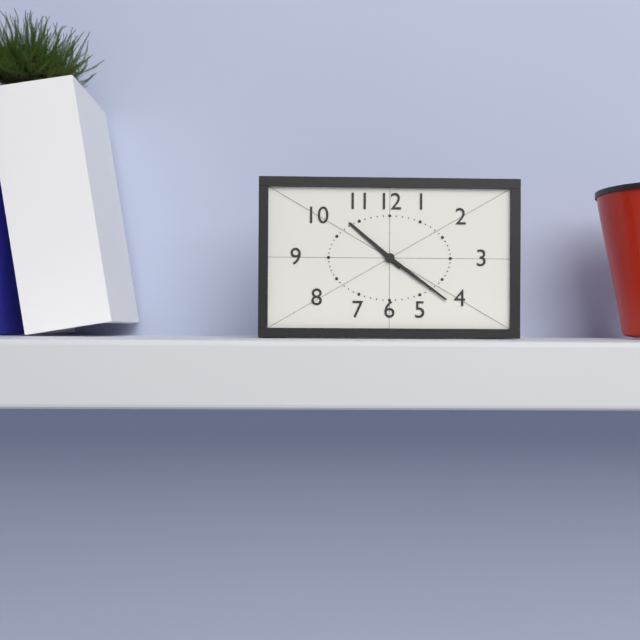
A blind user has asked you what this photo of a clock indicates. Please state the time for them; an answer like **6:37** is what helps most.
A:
**10:21**
